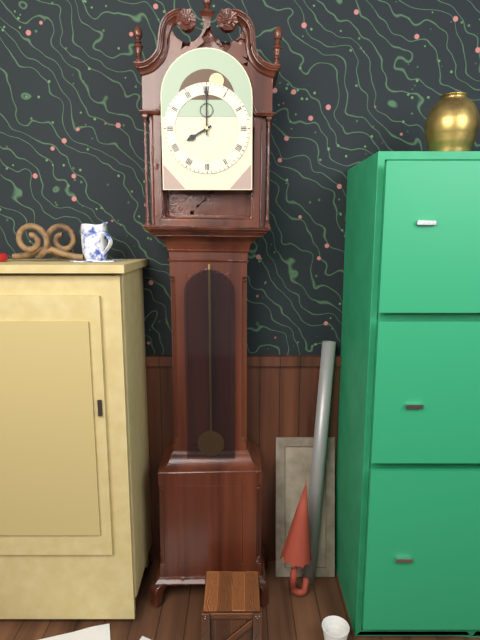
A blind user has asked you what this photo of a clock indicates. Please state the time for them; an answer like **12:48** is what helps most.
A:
**8:00**
